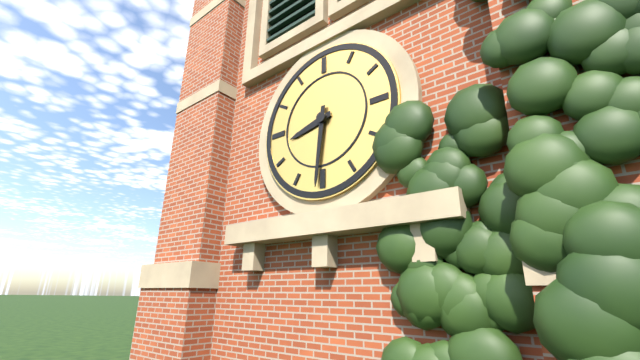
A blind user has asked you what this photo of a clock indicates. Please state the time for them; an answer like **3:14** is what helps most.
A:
**8:31**
